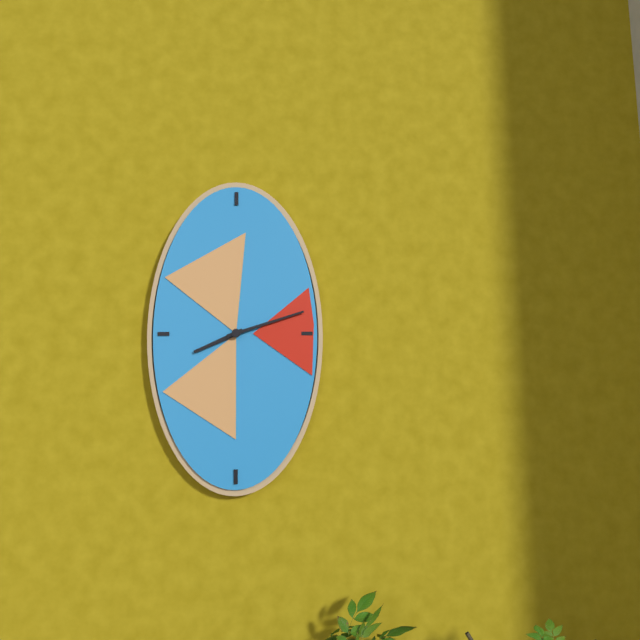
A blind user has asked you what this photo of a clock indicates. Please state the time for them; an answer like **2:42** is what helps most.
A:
**8:12**
